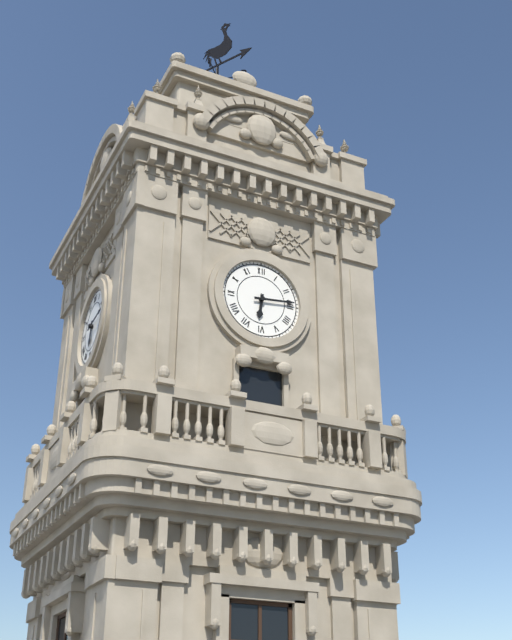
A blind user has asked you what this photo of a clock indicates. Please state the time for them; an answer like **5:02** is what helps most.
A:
**6:14**
